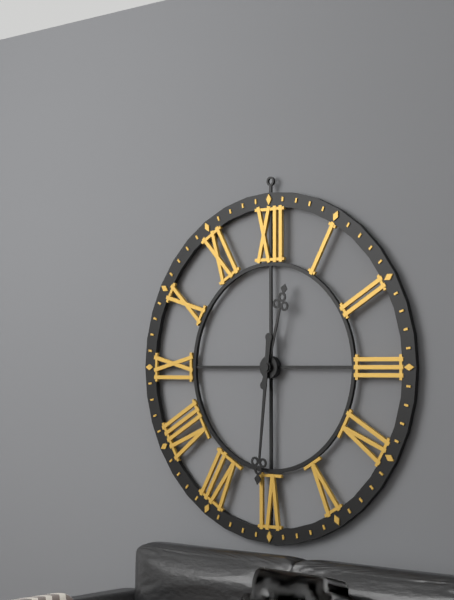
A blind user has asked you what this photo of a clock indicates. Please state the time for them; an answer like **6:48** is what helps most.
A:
**12:31**
